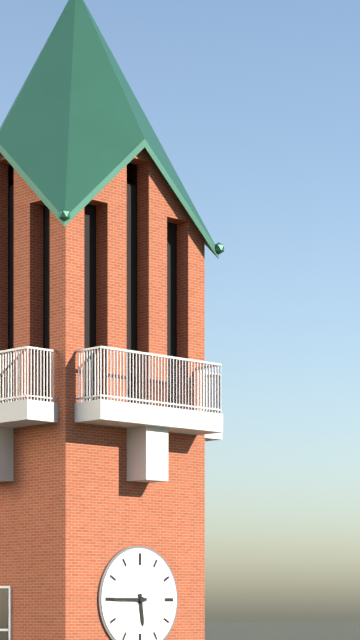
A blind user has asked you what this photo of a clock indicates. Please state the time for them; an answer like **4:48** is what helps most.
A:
**5:45**
